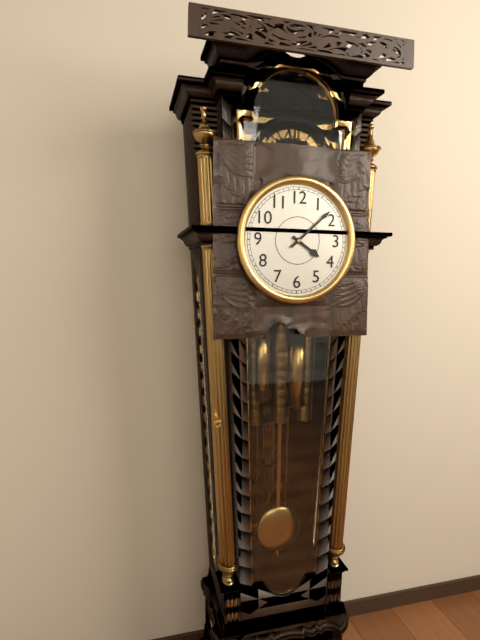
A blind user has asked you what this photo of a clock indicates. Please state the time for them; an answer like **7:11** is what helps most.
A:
**4:08**
